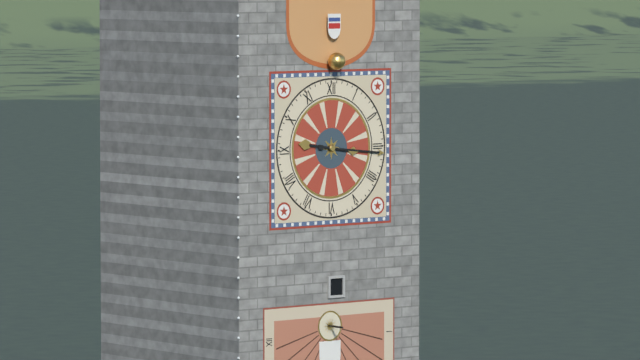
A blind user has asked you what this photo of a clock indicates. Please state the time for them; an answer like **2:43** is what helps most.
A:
**9:16**
